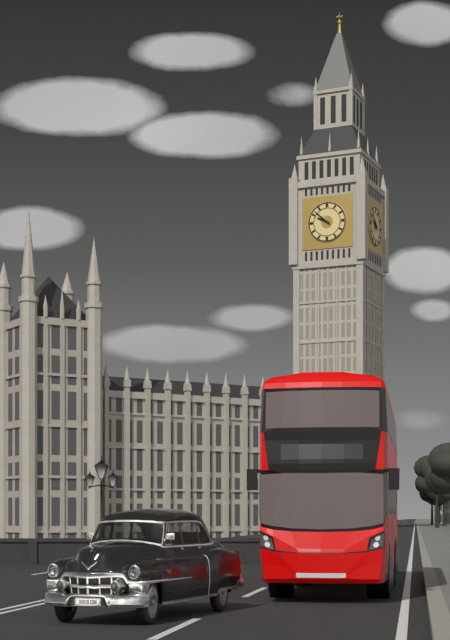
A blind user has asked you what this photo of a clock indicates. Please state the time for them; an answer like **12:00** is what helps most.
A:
**9:52**
